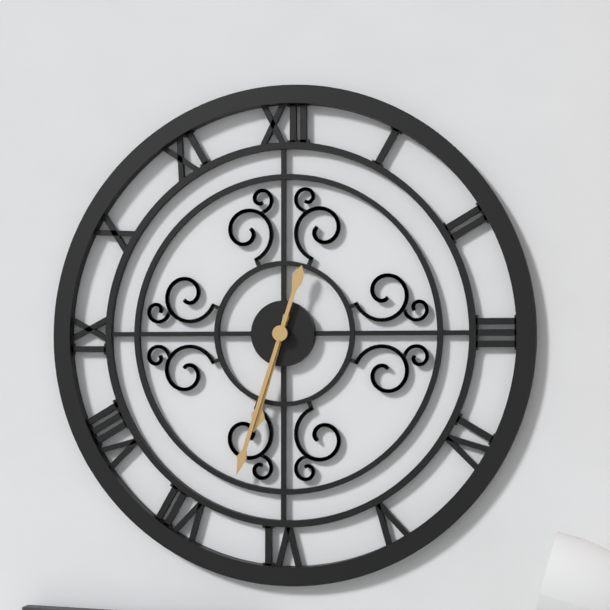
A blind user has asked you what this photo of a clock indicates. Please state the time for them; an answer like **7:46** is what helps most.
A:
**6:33**
